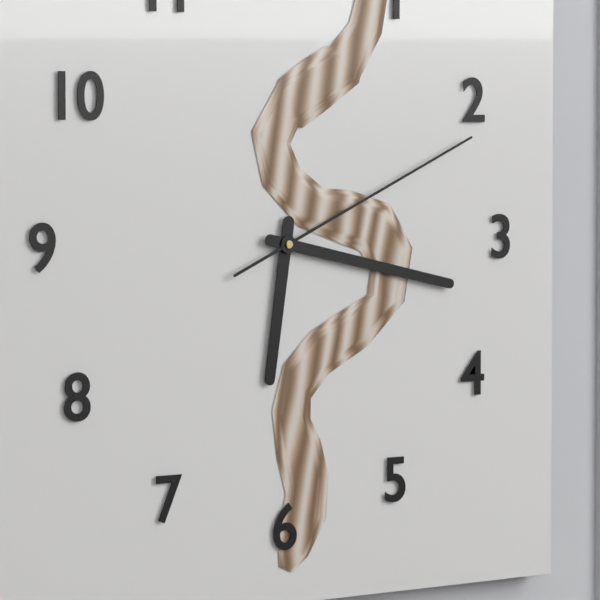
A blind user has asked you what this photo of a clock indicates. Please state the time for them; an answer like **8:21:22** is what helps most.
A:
**6:17:11**
